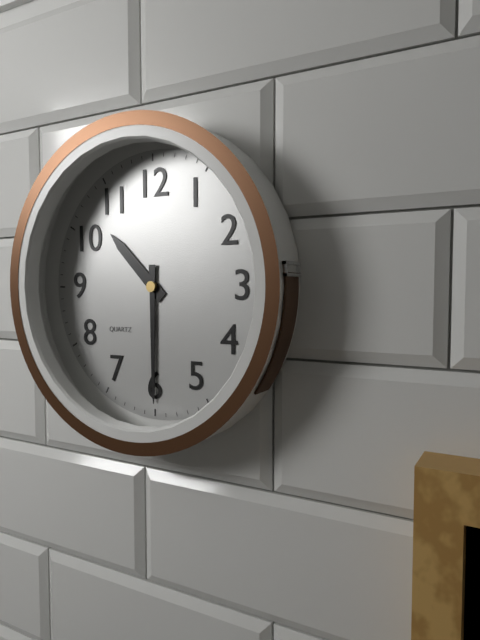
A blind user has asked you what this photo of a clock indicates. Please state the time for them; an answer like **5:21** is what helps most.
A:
**10:30**
